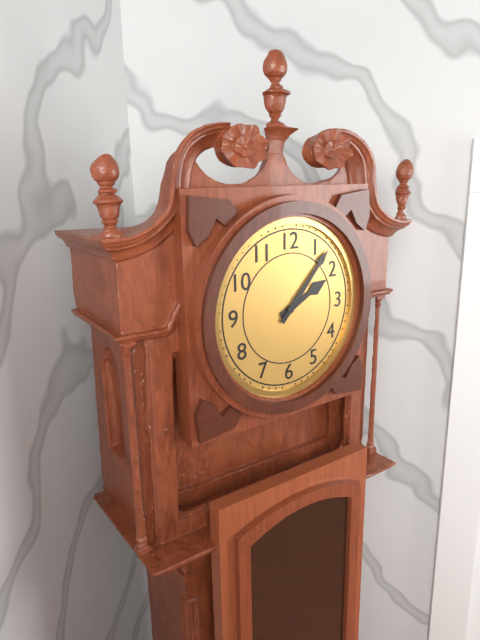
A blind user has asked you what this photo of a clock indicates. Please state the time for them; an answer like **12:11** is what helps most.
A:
**2:07**
